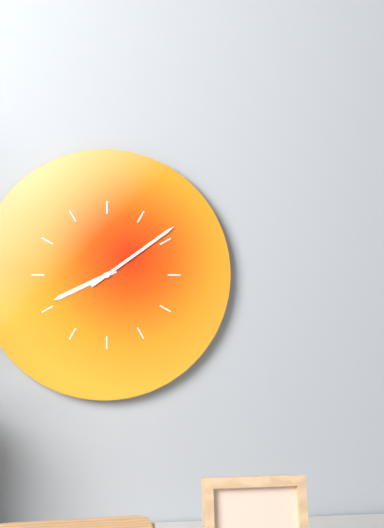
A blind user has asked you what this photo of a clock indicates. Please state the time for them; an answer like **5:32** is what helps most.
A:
**8:09**
